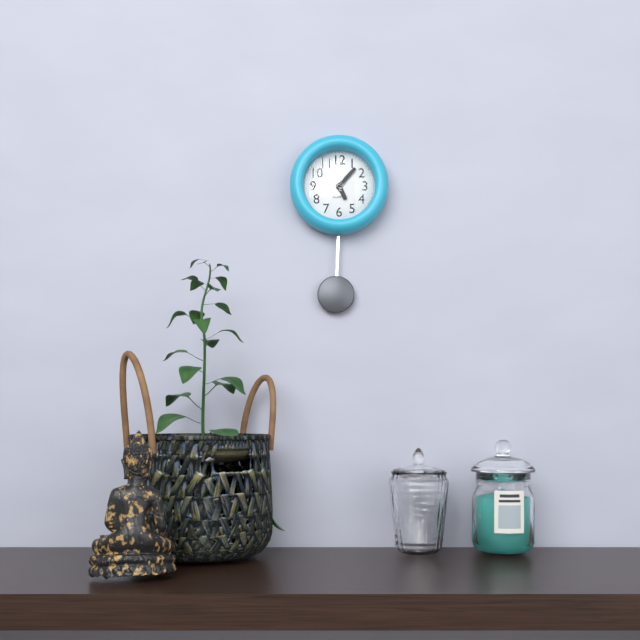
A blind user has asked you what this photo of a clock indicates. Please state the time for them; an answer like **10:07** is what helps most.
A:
**5:07**
